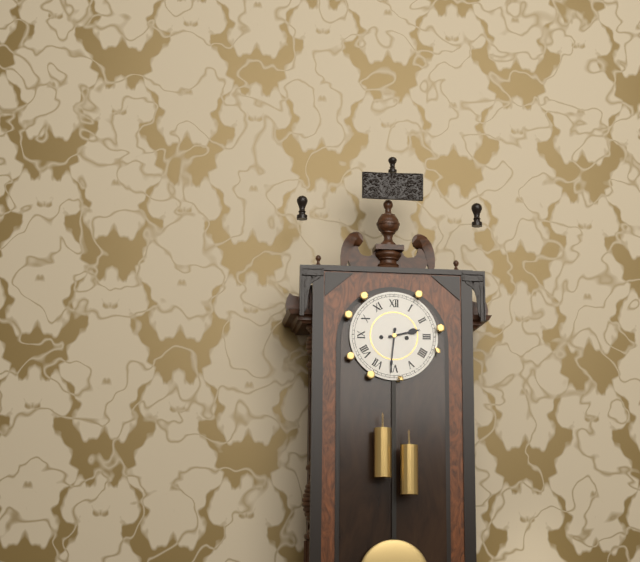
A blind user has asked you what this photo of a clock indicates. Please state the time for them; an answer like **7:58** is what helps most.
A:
**2:31**
